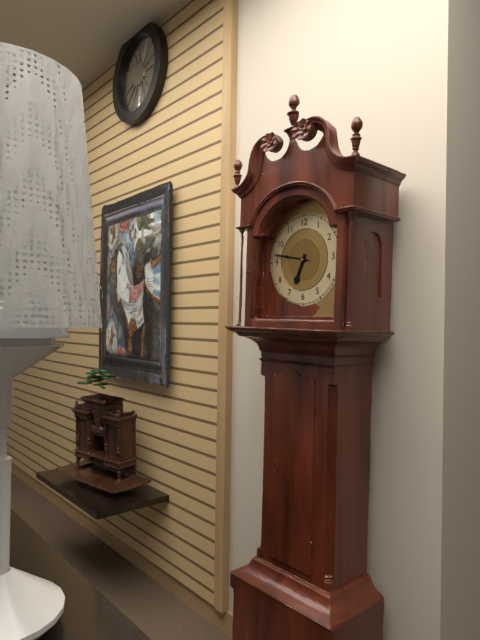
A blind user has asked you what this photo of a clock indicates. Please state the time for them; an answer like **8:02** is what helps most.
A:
**6:47**
